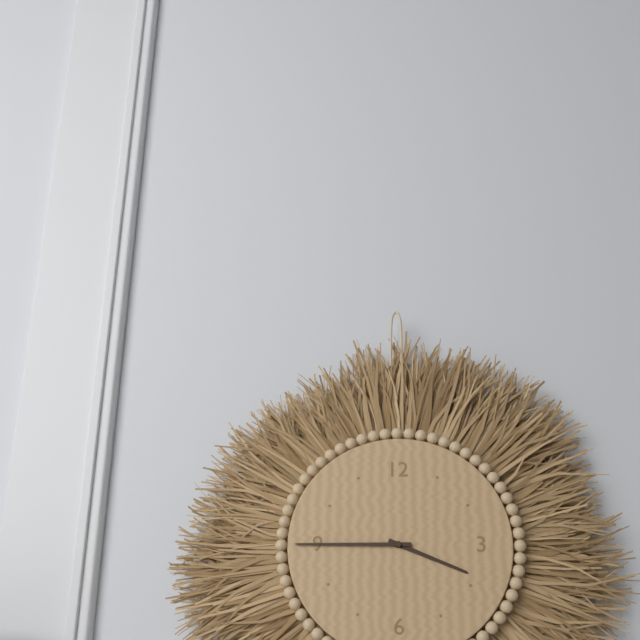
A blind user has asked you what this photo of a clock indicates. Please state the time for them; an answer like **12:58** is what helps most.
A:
**3:45**
